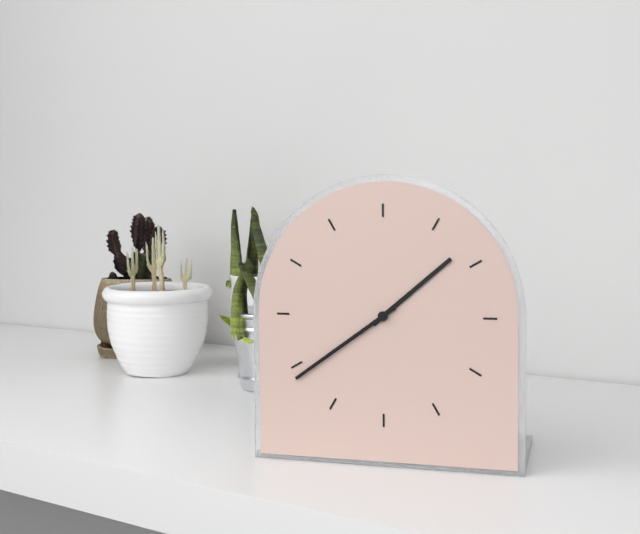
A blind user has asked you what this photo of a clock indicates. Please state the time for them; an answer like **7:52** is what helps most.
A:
**1:39**
